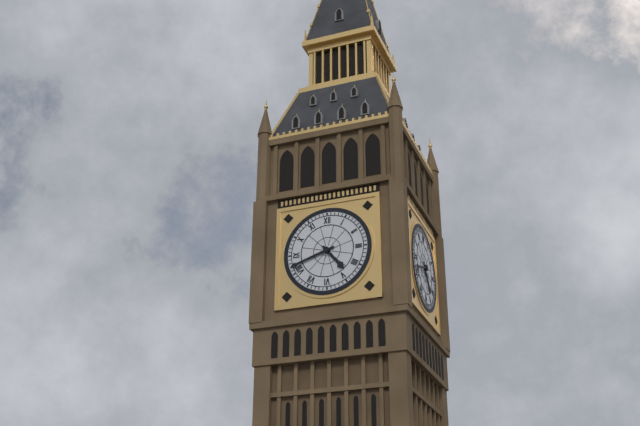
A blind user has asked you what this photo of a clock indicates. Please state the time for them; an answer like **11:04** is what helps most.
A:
**4:42**
